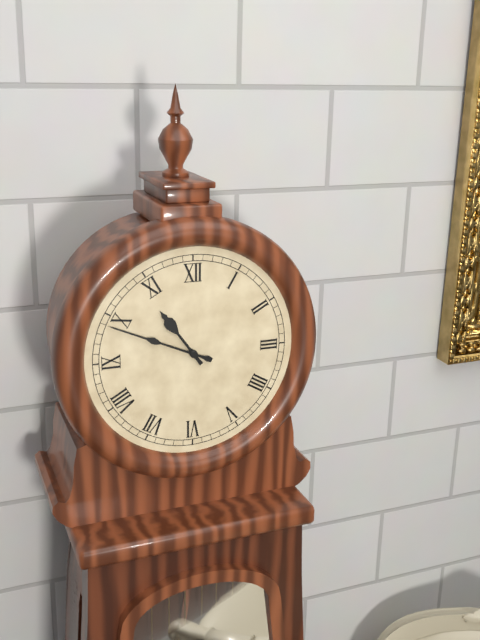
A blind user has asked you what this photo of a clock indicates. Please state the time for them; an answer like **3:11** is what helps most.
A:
**10:49**
